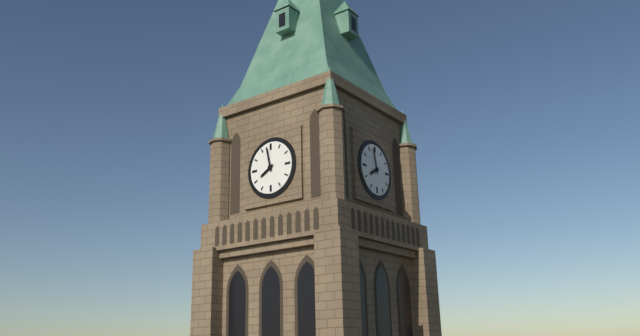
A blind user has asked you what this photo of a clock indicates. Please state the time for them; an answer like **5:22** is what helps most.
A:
**7:58**
